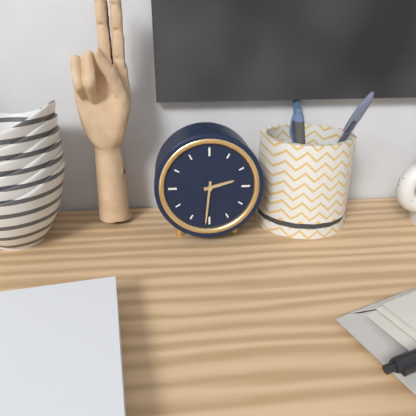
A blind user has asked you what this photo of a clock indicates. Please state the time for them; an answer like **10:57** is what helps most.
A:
**2:31**
